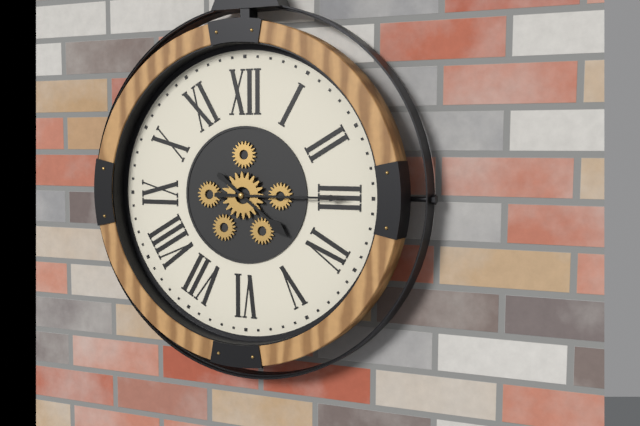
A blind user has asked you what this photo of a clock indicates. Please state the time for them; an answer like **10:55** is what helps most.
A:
**4:15**
